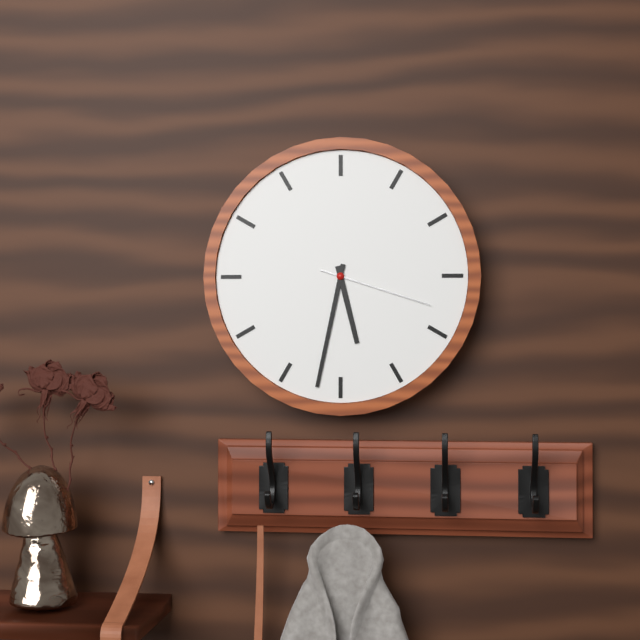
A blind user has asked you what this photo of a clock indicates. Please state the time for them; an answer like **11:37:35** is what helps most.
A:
**5:32:18**
